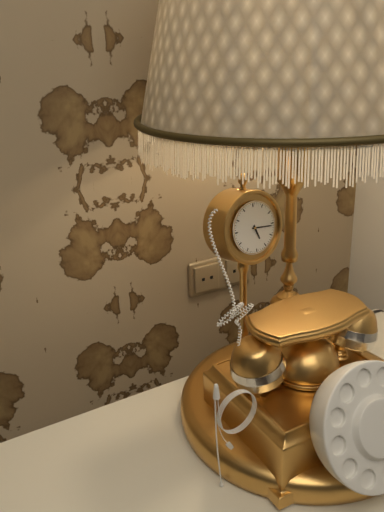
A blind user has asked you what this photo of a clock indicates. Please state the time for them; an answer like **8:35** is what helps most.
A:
**5:16**
